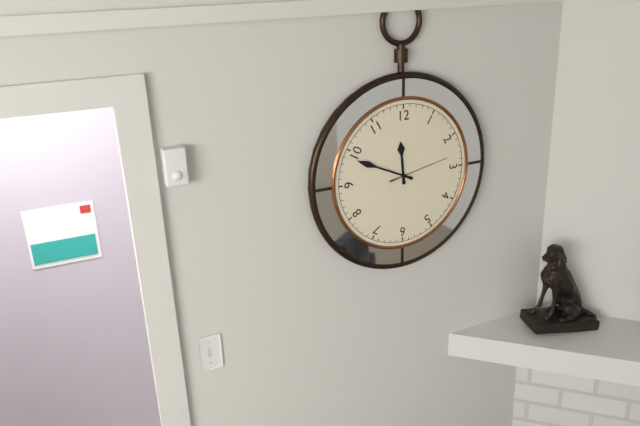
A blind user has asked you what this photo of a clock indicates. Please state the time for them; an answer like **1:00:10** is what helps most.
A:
**11:49:13**
